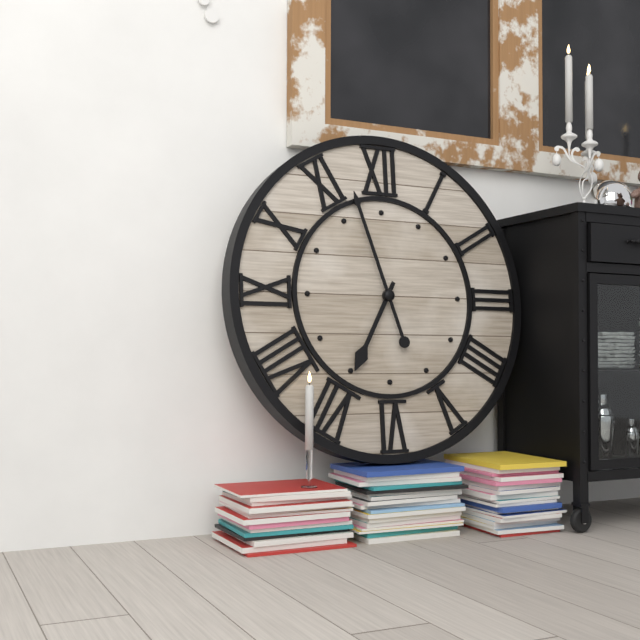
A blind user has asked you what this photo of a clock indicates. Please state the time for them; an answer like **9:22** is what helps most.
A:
**6:57**
